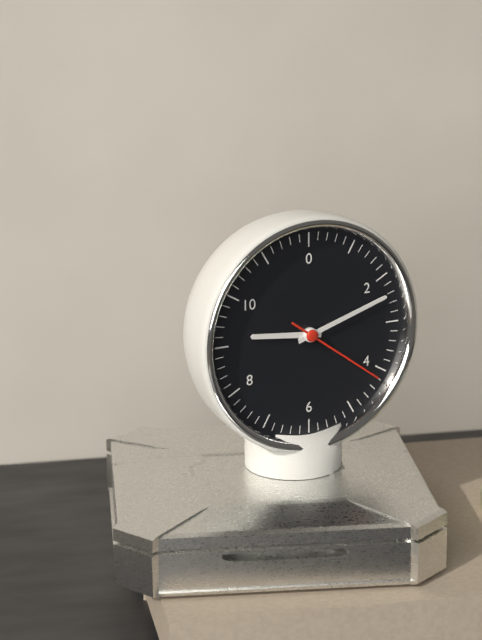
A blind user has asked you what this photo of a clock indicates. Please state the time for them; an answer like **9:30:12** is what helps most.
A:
**9:12:21**
